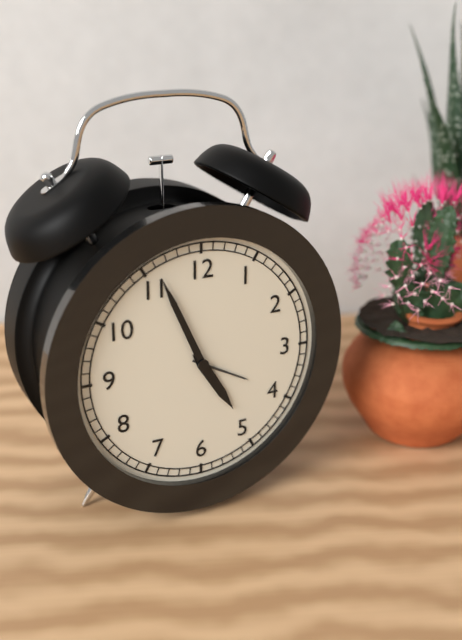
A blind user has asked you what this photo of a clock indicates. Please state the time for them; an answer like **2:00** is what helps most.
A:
**4:56**
